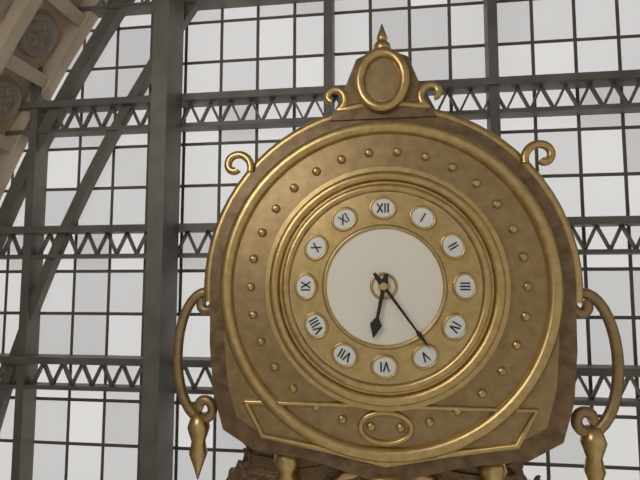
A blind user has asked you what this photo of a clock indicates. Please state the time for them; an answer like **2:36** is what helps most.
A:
**6:24**
